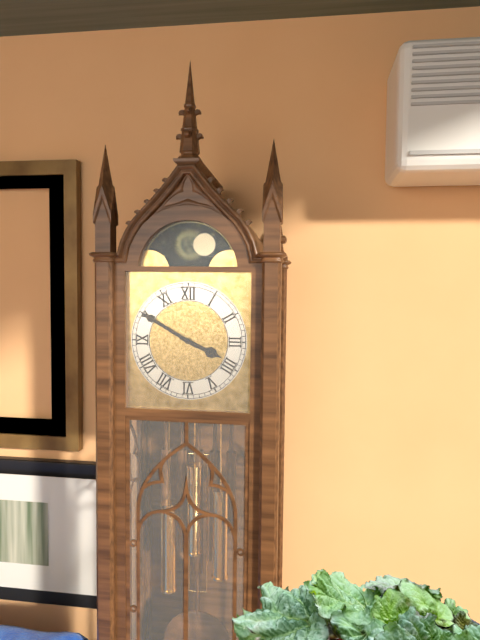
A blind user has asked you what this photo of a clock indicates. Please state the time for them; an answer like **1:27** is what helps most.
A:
**3:50**
